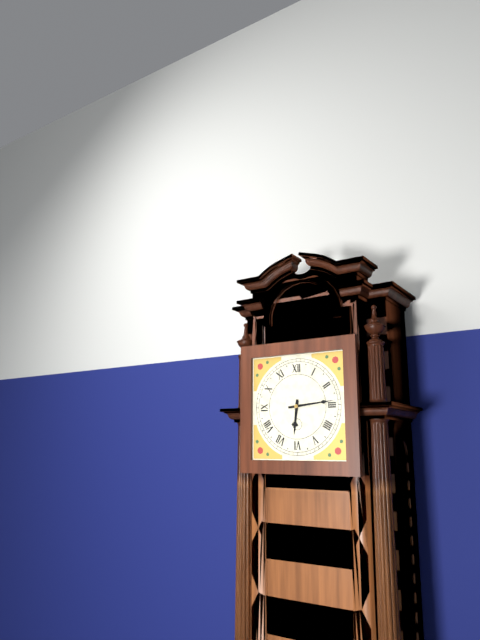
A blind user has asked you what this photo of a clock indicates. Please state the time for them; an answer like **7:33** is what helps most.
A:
**6:14**
